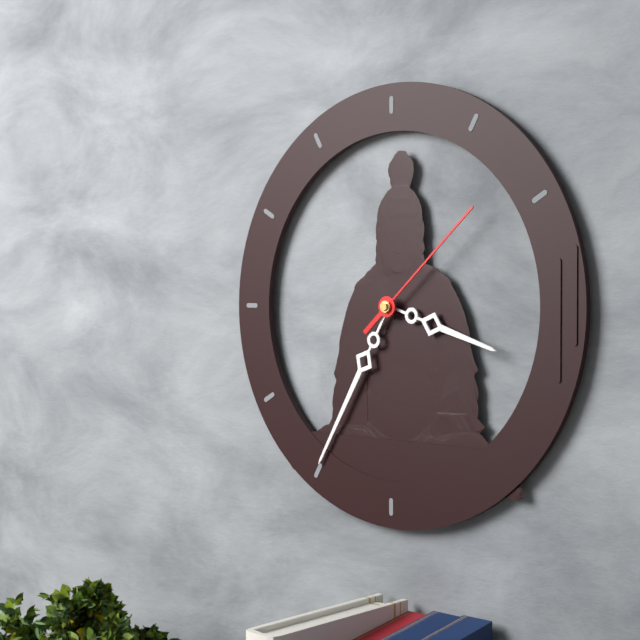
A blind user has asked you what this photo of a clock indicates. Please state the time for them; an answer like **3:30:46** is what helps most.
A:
**3:35:08**
